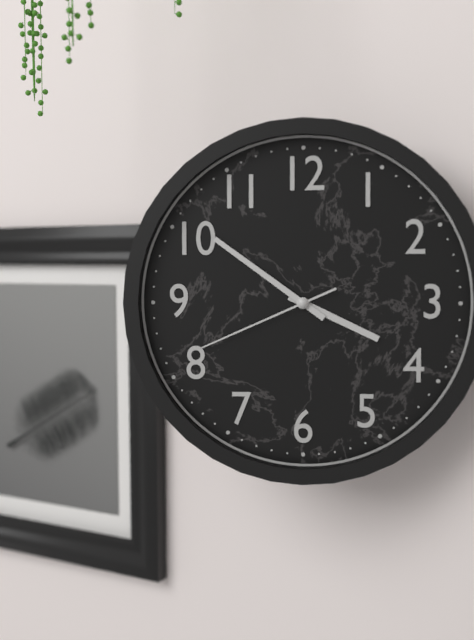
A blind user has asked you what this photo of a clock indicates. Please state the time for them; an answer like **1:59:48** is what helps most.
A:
**3:51:41**
